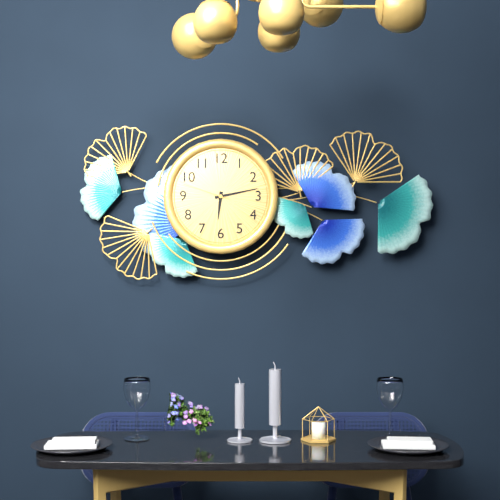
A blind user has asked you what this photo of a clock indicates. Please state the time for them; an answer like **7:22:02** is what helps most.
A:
**6:13:48**
